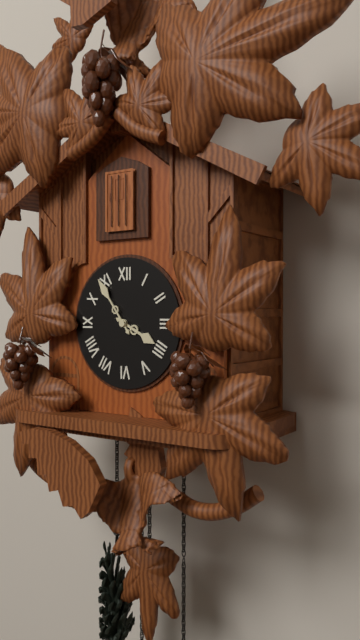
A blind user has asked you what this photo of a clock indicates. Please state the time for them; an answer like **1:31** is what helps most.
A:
**3:54**
